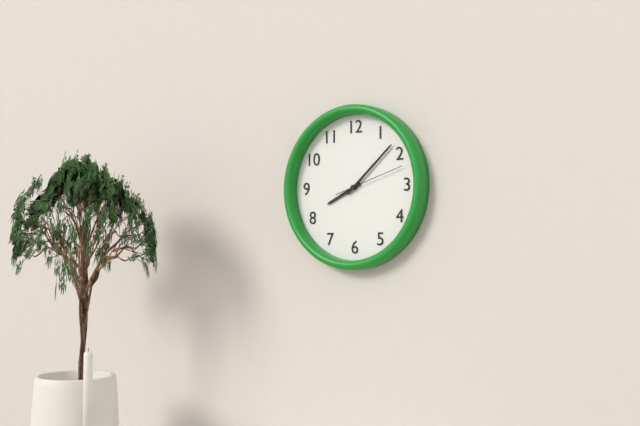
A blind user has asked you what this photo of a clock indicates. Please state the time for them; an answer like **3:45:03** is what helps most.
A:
**8:08:12**
